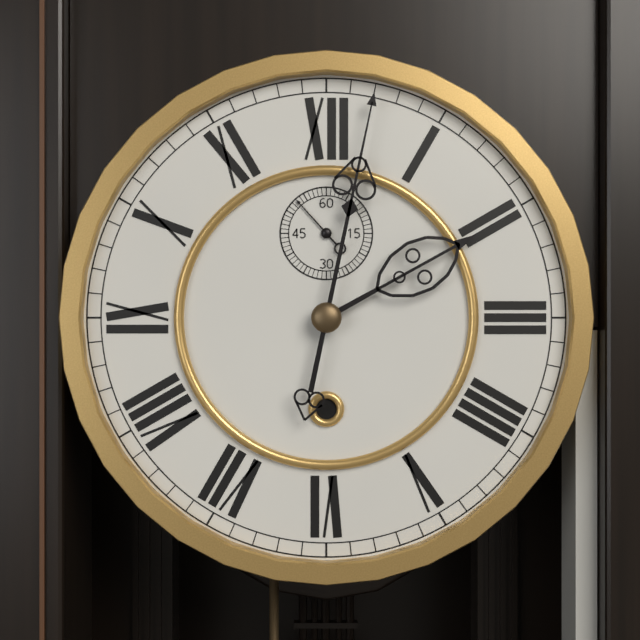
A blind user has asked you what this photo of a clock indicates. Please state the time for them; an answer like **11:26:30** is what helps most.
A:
**2:02:53**
